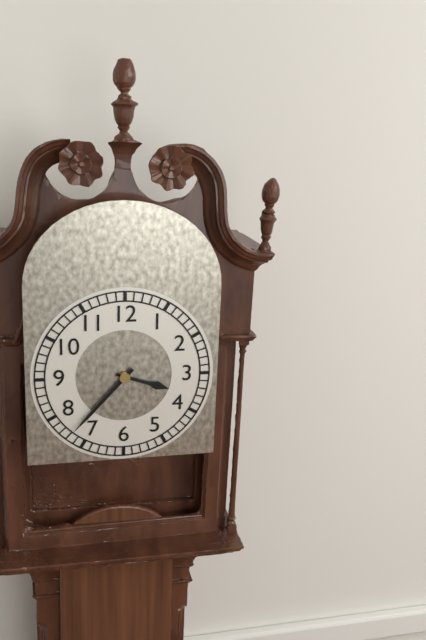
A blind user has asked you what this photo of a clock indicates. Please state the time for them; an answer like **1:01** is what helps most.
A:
**3:37**
